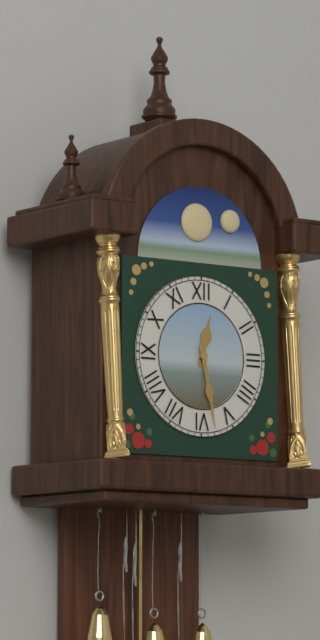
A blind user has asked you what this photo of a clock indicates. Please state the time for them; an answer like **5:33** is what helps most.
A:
**12:28**
